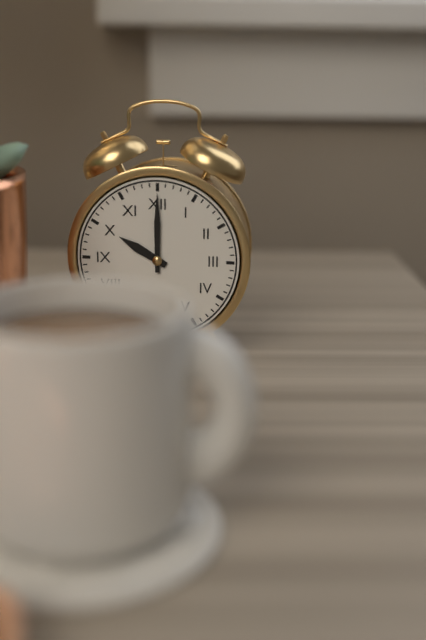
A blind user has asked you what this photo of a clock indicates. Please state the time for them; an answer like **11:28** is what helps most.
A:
**10:00**
